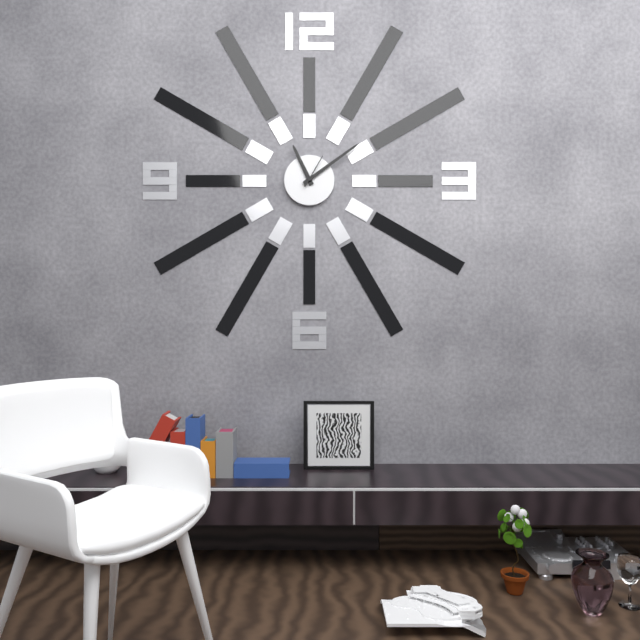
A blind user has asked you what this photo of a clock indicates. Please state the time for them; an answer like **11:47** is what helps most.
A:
**11:09**
